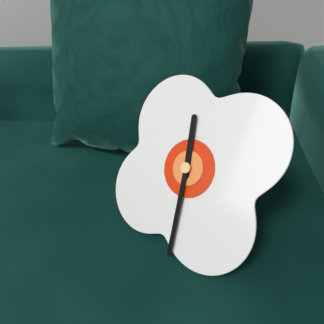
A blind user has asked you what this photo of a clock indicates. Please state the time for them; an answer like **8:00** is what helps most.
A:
**11:28**
